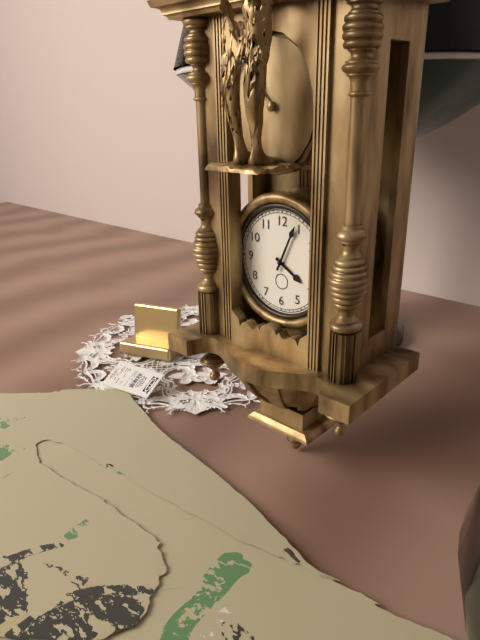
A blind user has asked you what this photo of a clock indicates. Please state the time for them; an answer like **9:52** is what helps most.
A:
**4:04**
